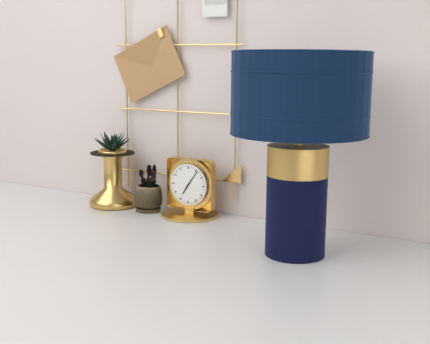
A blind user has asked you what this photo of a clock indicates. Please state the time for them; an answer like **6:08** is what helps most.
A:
**7:06**
